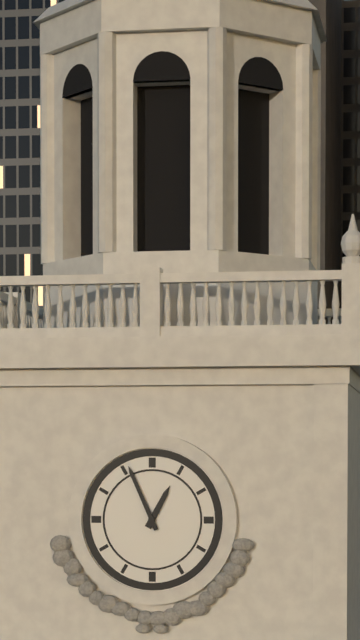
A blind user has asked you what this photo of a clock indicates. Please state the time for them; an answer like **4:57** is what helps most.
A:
**12:56**
